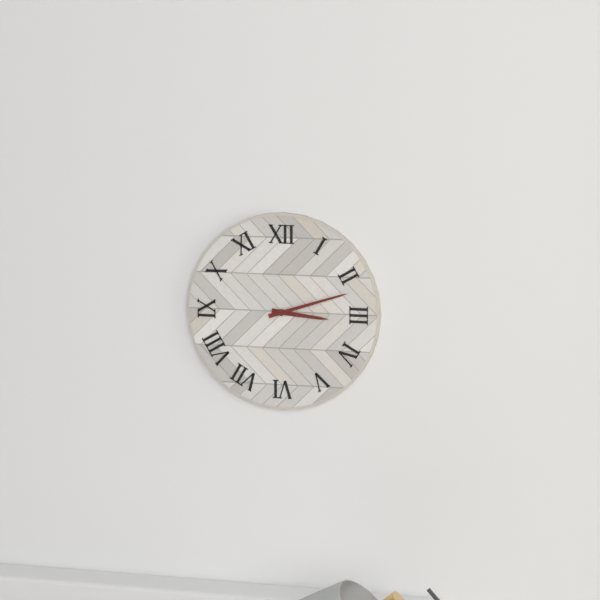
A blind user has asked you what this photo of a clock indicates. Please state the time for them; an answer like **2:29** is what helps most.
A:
**3:12**
